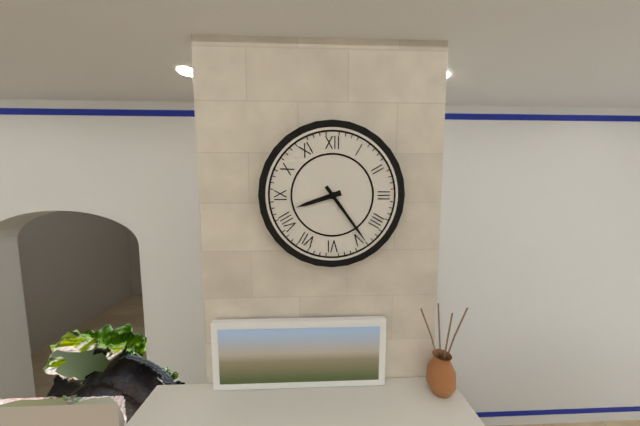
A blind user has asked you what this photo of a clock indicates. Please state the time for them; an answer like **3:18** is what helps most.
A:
**8:24**
